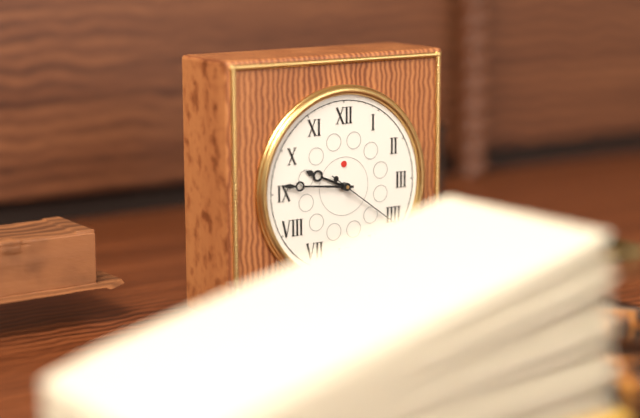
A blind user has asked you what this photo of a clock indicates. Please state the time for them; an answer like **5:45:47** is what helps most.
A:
**9:46:21**
